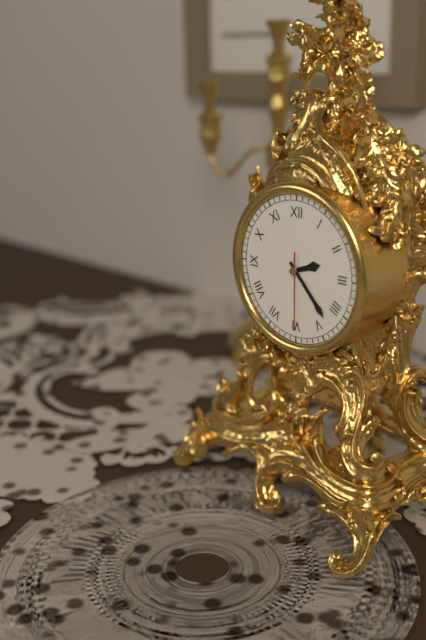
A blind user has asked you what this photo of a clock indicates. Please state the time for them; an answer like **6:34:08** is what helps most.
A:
**2:23:30**
